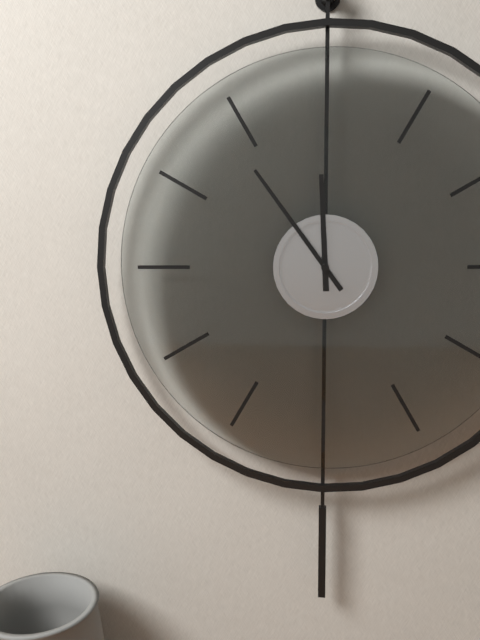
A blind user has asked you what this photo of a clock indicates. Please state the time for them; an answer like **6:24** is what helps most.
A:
**11:54**
